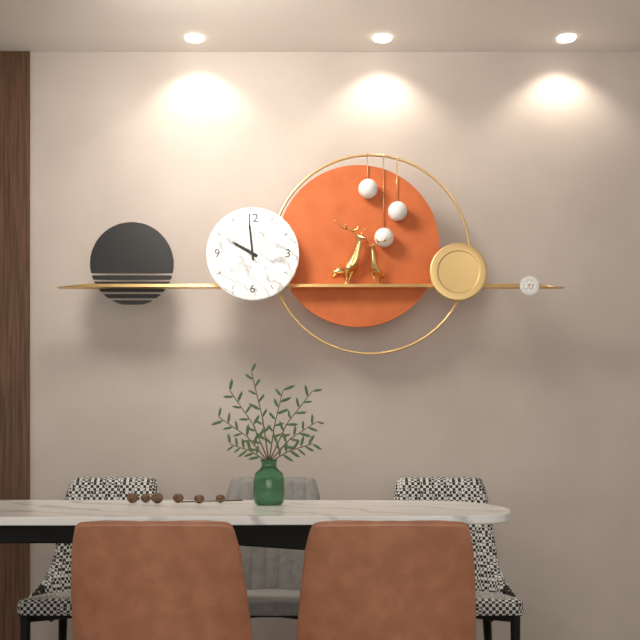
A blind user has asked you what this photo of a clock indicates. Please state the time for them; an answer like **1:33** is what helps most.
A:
**9:59**
